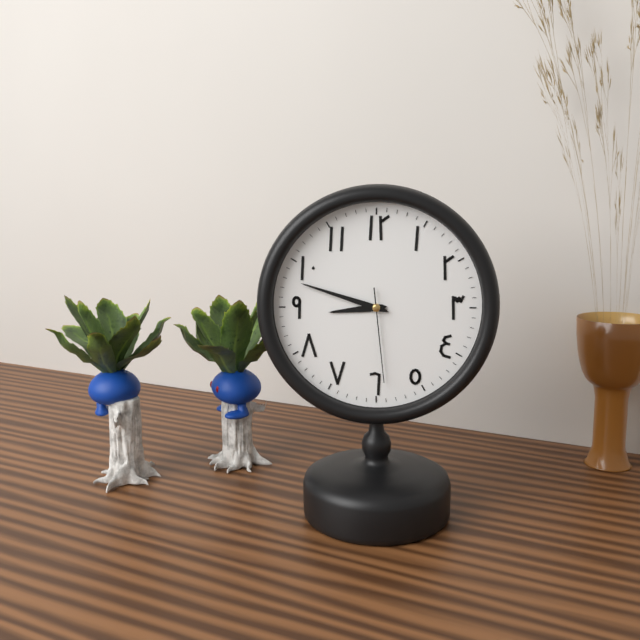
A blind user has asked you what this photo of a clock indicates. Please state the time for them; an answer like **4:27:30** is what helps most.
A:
**8:48:29**
